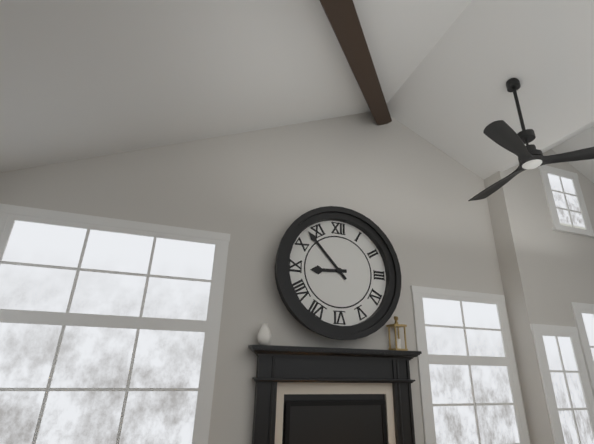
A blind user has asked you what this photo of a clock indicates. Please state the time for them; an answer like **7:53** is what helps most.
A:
**8:53**
